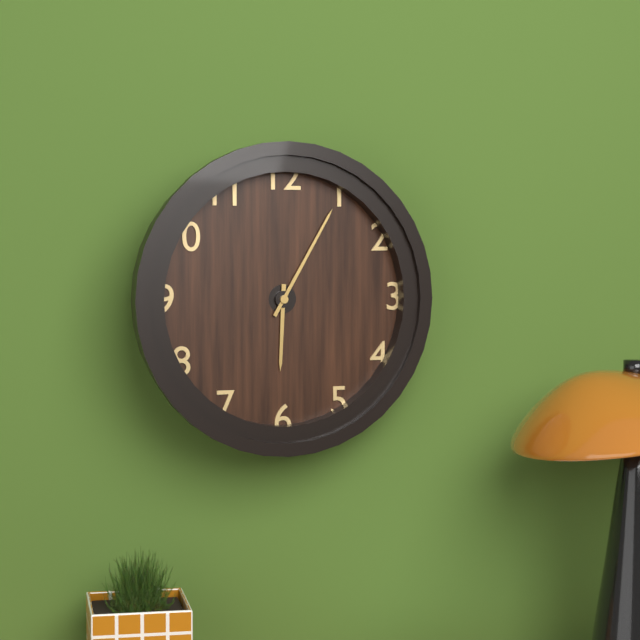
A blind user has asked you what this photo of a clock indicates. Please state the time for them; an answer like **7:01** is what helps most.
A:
**6:05**
